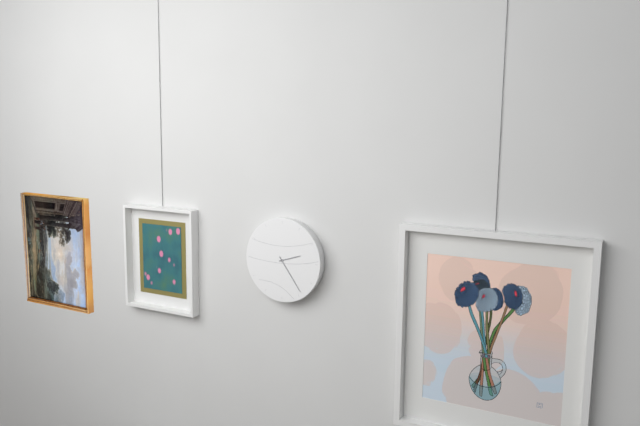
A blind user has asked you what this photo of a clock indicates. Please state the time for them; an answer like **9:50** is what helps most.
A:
**2:24**
